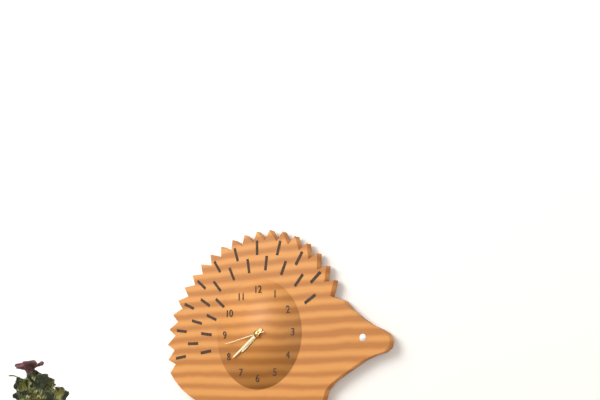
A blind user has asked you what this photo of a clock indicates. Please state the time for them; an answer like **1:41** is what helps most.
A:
**7:39**
